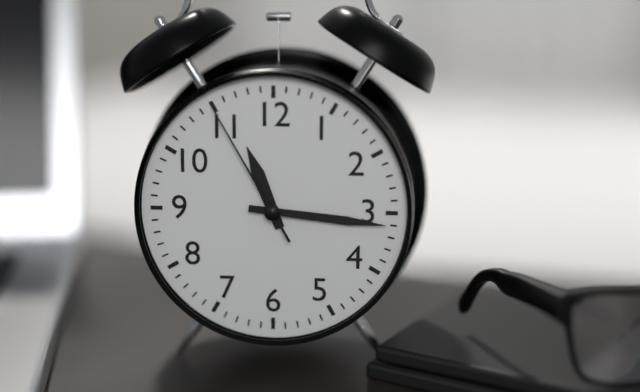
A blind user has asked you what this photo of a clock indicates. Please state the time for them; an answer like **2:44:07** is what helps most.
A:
**11:16:55**
